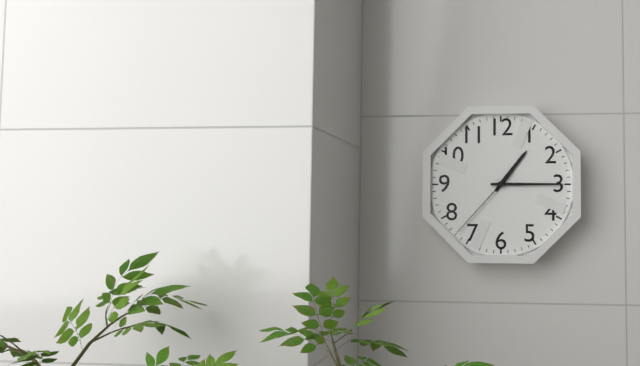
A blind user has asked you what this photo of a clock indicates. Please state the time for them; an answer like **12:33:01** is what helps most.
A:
**1:15:37**
